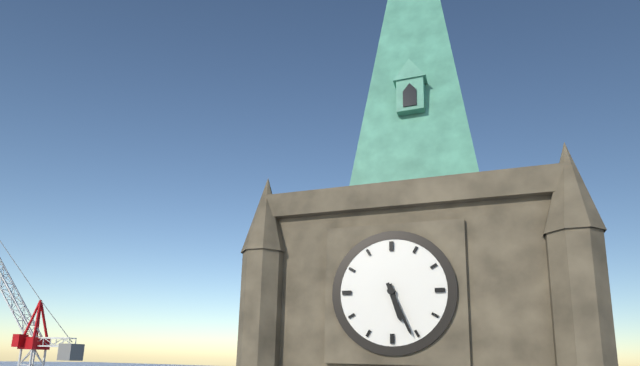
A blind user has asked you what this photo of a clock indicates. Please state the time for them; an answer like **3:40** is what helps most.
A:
**5:26**
